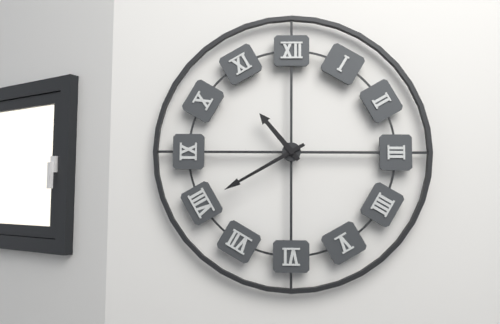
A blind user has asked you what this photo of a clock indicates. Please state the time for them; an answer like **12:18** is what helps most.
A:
**10:40**
